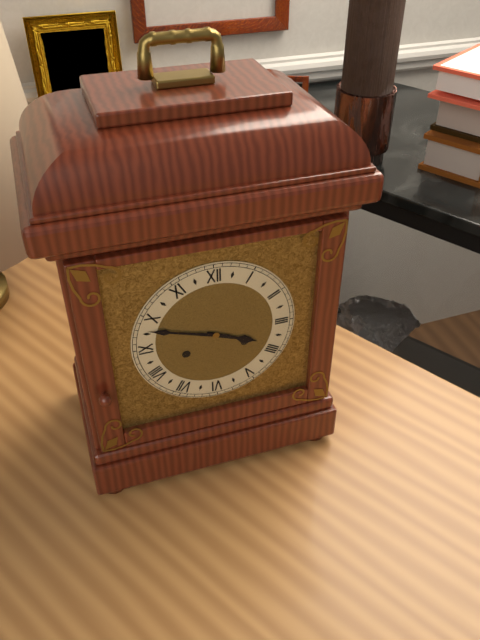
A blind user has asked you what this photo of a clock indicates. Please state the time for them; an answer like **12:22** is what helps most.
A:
**3:48**
